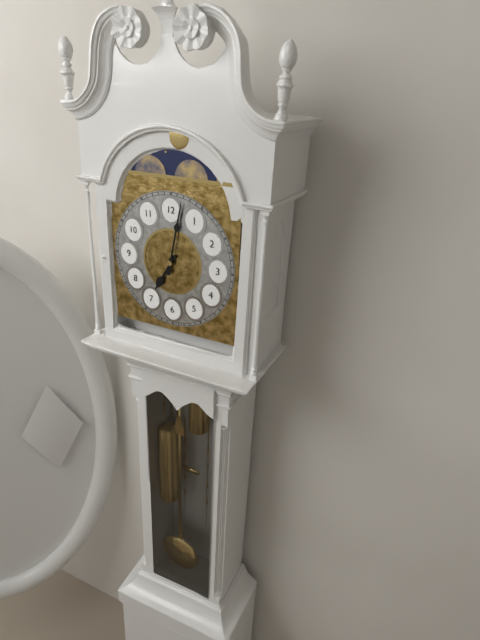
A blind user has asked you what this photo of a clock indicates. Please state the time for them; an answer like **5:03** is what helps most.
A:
**7:02**
